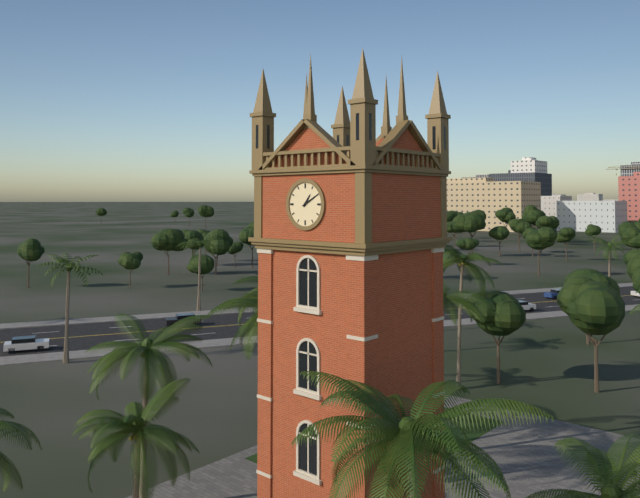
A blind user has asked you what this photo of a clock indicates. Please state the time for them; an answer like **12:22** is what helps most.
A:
**1:10**
